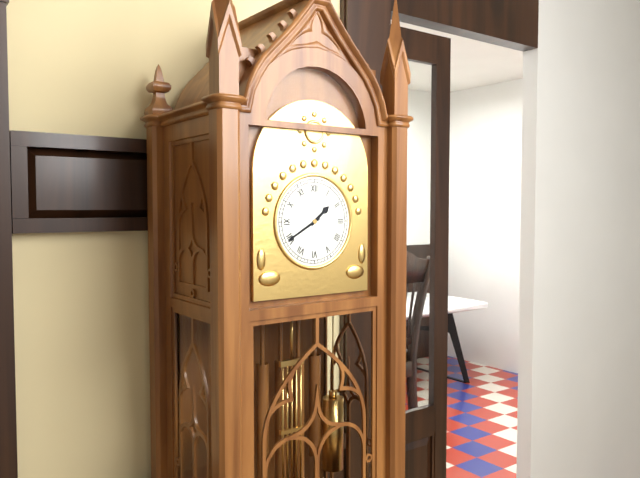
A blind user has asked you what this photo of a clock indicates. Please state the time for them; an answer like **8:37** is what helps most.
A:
**1:40**
